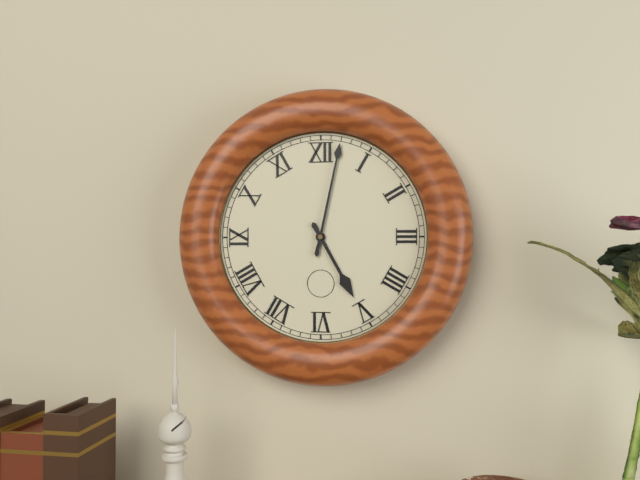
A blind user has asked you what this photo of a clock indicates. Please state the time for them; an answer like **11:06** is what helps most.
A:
**5:02**
